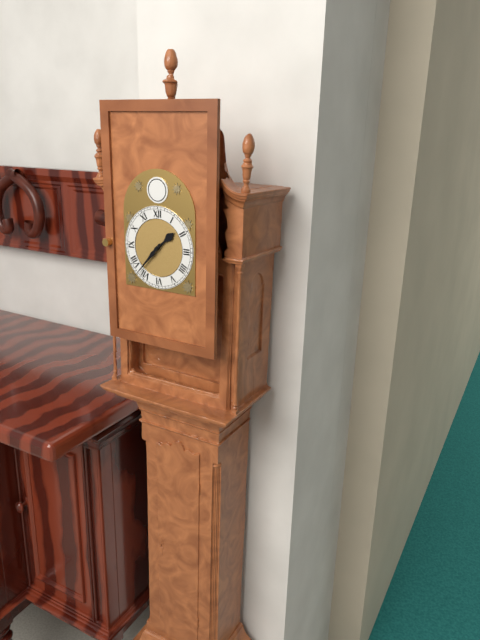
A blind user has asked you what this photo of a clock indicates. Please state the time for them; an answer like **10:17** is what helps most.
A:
**1:37**
